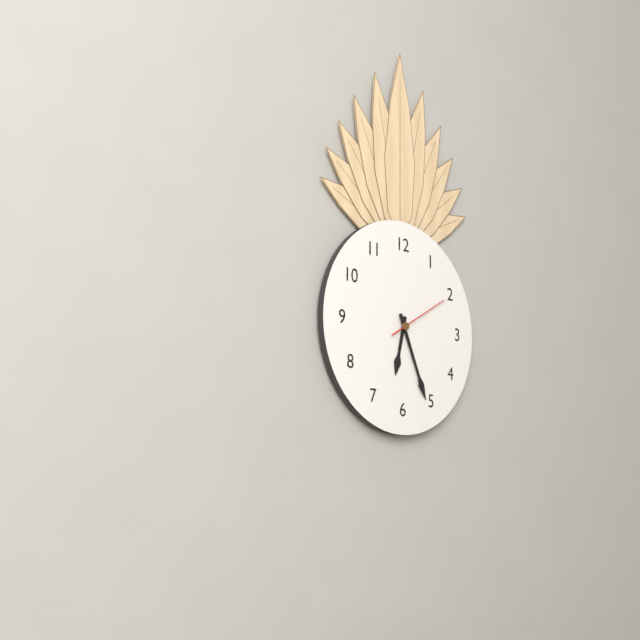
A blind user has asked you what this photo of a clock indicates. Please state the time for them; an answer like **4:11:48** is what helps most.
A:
**6:26:10**
